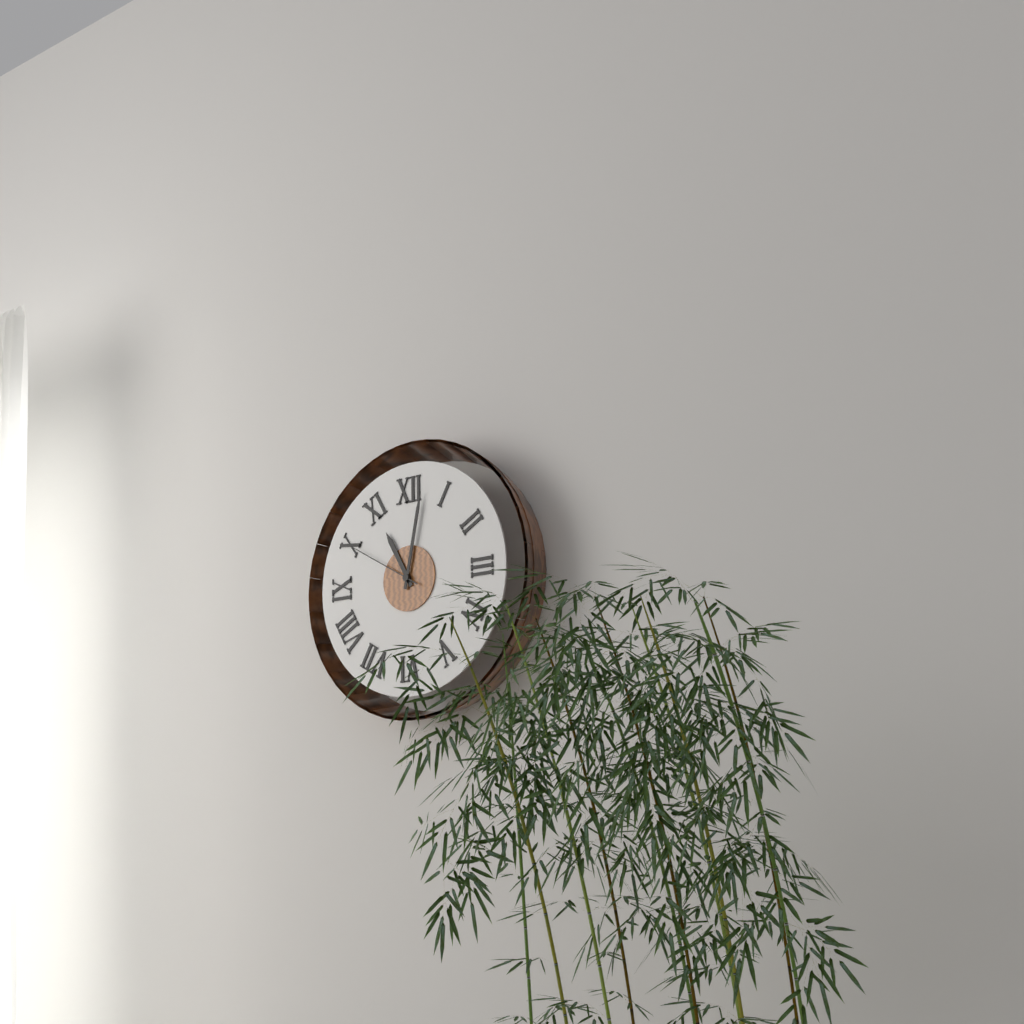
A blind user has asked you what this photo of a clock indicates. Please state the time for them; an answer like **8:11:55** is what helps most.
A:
**11:02:50**
